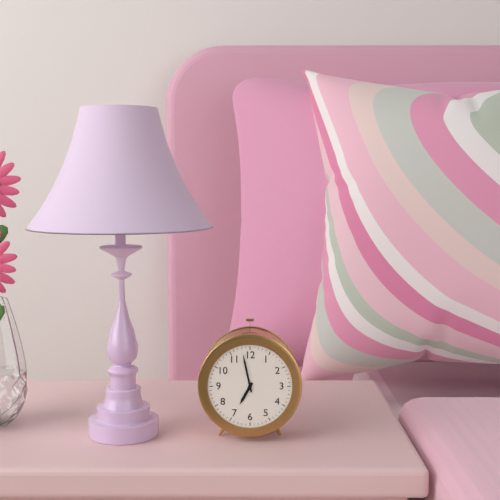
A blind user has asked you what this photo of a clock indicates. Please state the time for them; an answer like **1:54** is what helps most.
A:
**6:58**
